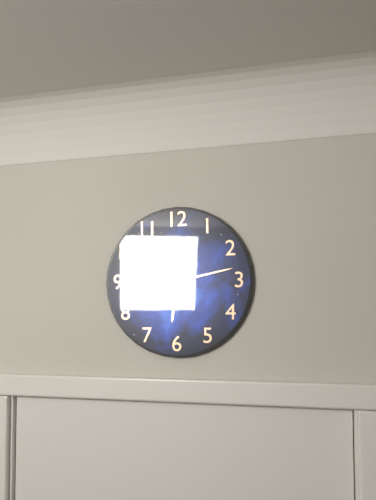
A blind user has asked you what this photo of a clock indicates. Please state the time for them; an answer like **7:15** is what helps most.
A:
**6:13**
